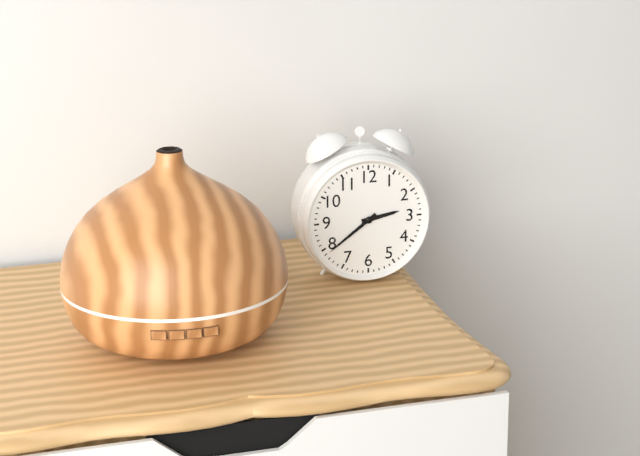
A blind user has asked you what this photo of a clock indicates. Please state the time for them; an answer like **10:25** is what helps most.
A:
**2:39**
